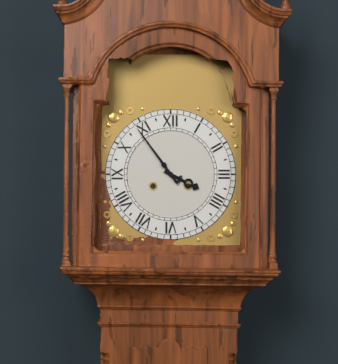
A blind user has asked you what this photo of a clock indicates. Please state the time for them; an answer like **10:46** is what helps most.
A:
**3:54**
